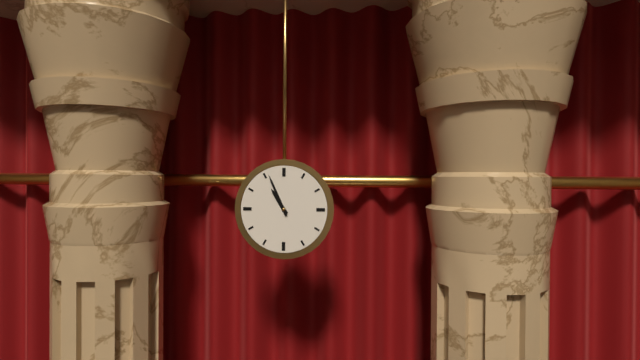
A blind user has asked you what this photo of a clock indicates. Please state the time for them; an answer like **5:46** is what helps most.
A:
**10:56**
